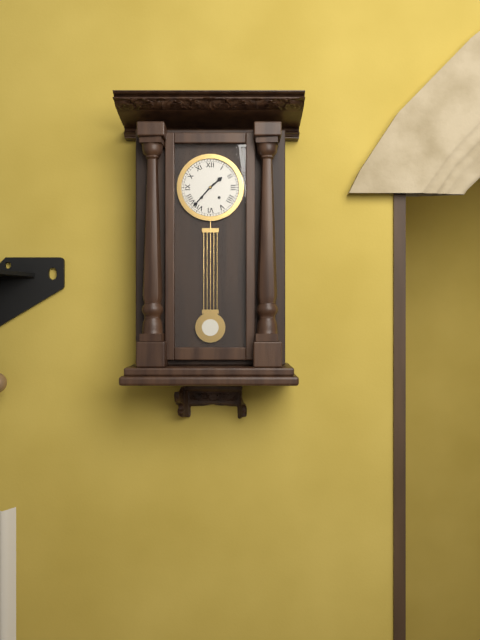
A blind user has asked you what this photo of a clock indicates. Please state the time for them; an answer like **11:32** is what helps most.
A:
**1:37**
